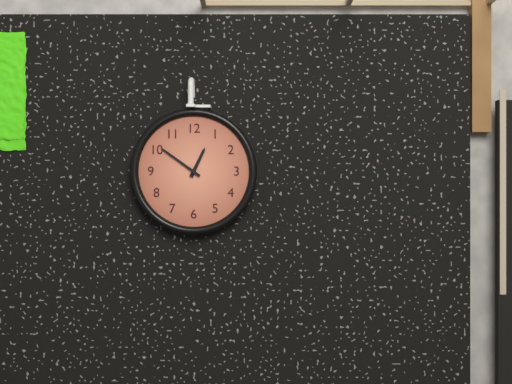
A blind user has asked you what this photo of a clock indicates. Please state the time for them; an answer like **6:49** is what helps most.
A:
**12:51**
